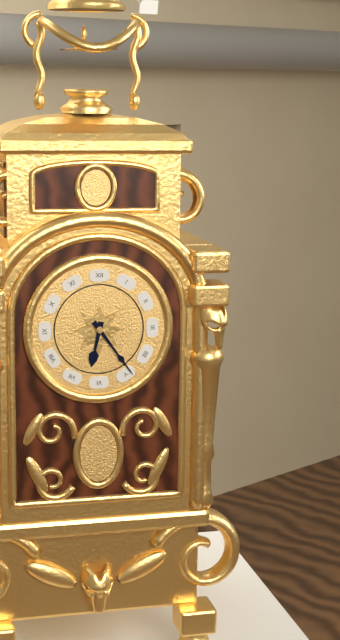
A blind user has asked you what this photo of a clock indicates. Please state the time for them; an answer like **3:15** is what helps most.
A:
**6:24**
